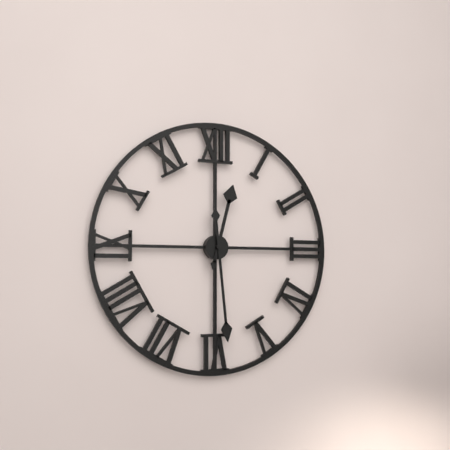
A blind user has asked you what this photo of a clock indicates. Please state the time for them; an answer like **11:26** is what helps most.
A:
**12:29**
